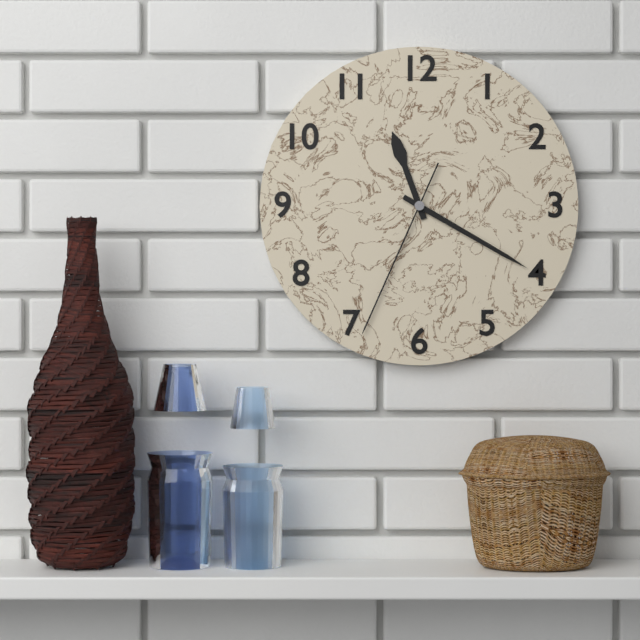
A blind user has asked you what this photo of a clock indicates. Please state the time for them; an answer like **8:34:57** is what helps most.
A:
**11:20:34**
